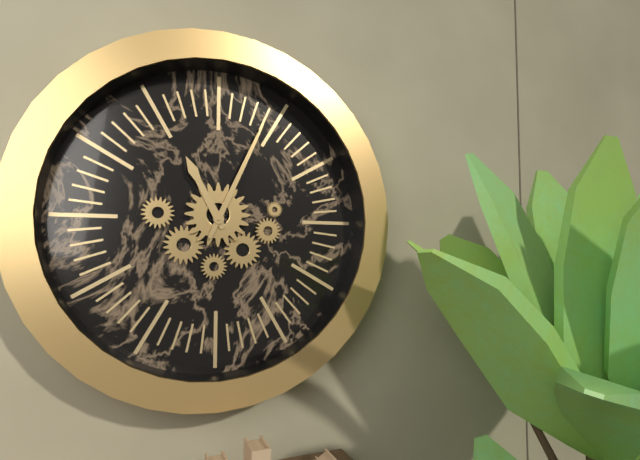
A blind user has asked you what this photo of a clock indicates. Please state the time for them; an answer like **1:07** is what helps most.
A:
**11:04**
